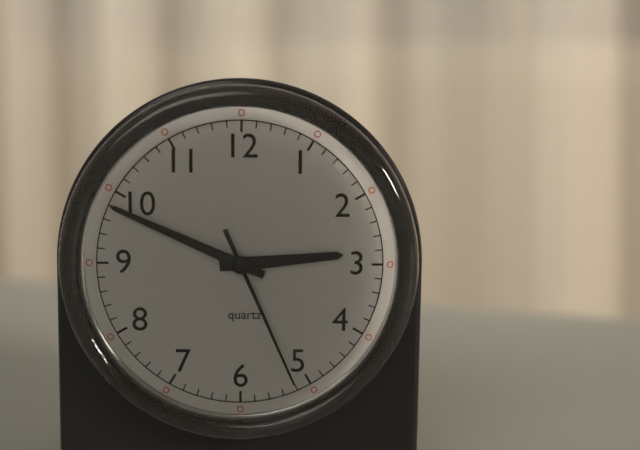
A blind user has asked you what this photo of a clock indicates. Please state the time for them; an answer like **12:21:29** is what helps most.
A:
**2:49:26**
